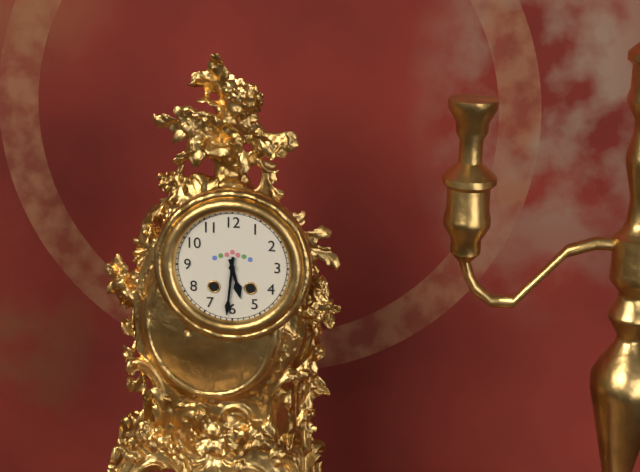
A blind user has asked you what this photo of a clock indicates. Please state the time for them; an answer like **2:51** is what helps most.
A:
**5:31**
